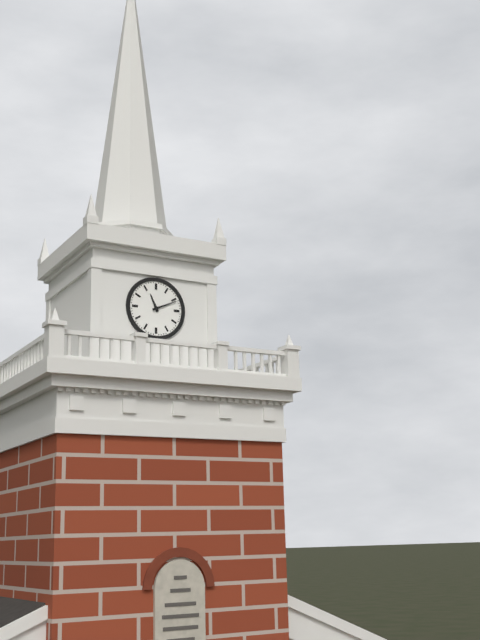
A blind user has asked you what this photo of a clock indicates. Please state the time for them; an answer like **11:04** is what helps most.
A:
**11:11**
